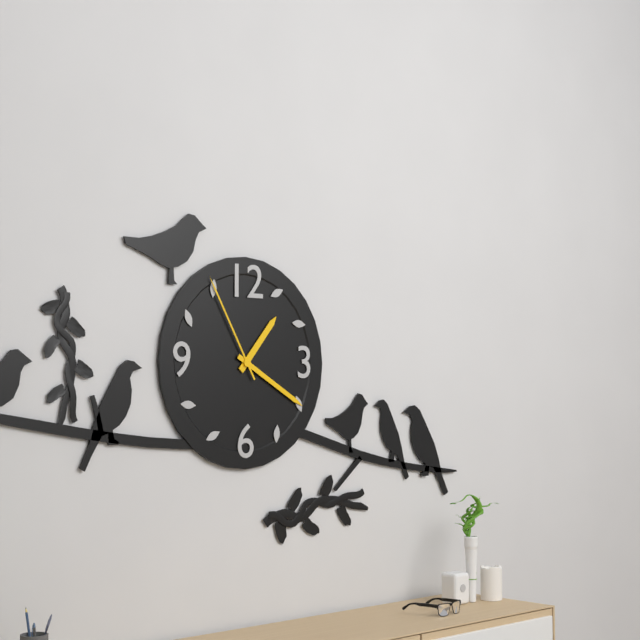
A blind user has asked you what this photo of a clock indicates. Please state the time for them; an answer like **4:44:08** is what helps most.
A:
**1:20:55**
